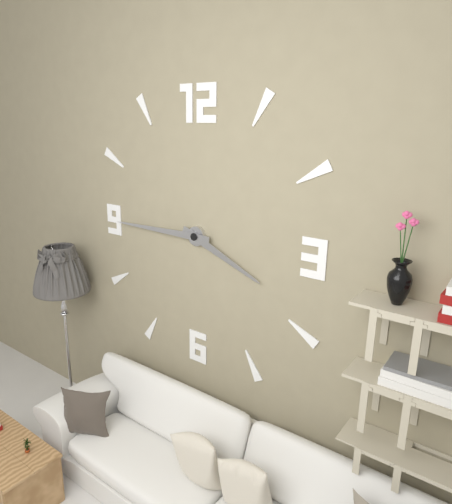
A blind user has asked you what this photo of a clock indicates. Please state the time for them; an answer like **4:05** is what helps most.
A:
**3:45**
